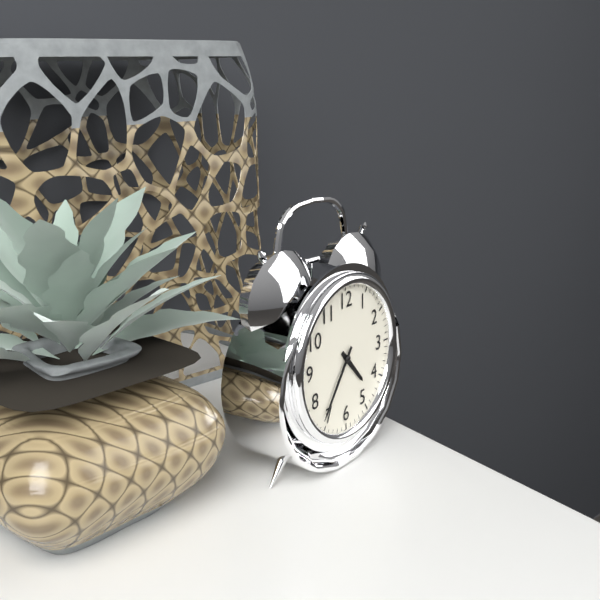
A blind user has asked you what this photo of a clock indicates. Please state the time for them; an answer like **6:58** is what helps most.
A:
**4:36**
